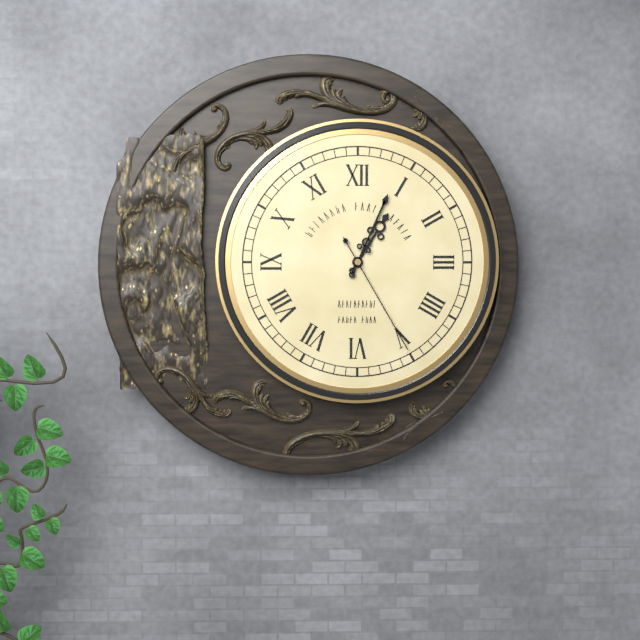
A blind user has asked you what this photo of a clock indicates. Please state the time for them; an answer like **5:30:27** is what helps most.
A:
**1:04:25**
